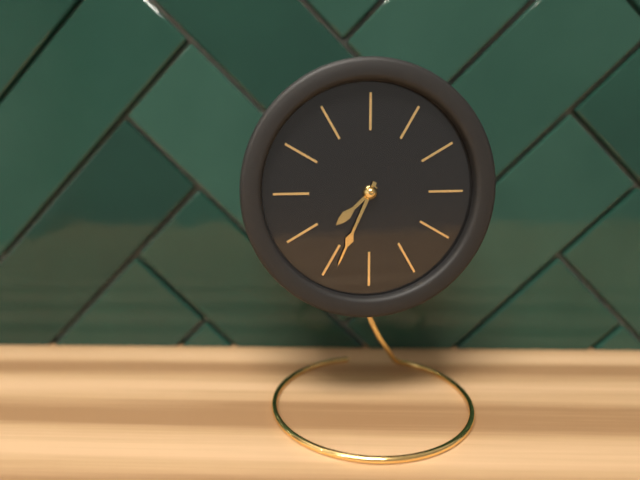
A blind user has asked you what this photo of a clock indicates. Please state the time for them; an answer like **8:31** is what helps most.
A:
**7:34**
